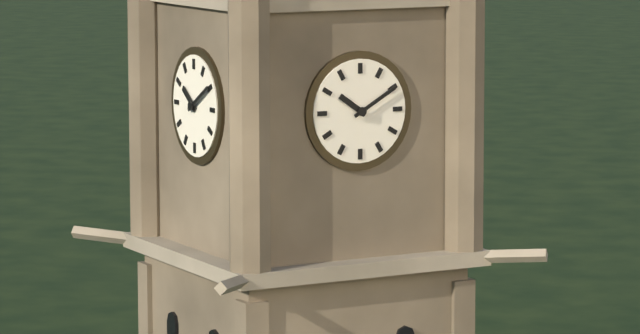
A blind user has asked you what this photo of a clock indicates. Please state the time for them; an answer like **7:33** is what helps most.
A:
**10:10**
